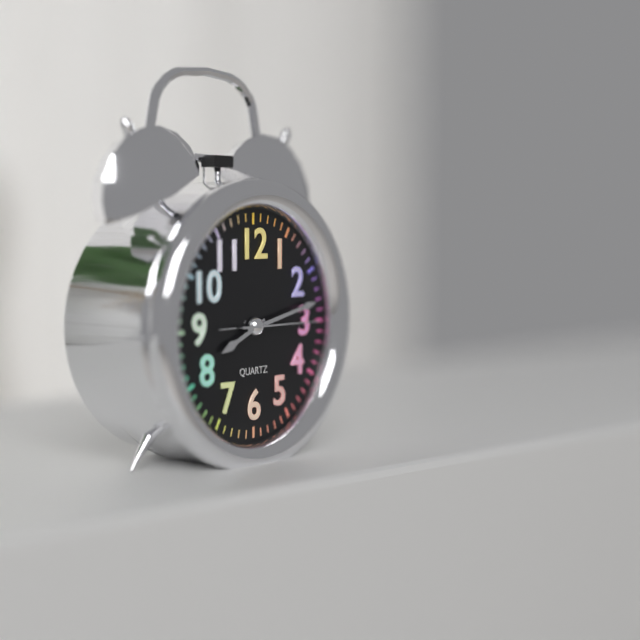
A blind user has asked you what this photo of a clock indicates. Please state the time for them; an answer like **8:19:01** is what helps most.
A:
**8:13:15**
